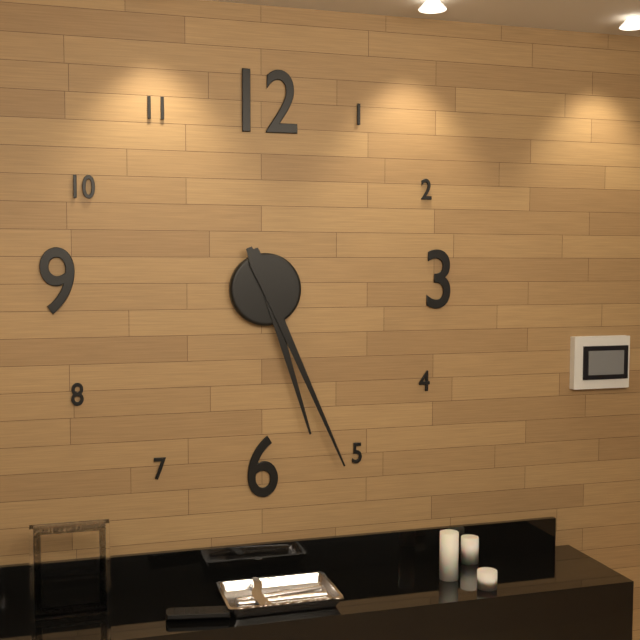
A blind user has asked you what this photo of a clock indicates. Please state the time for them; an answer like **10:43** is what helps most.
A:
**5:26**
